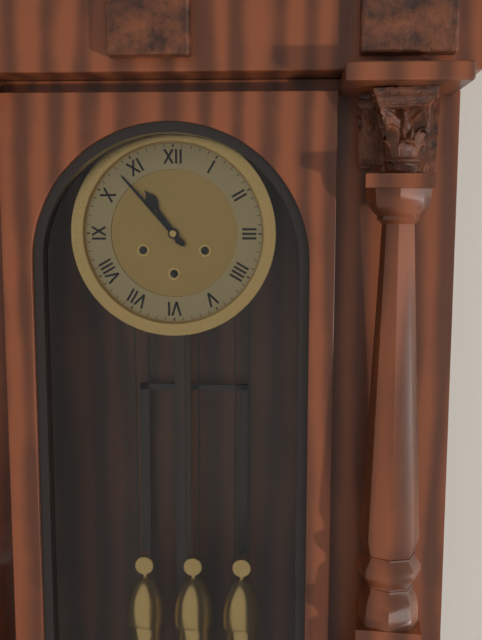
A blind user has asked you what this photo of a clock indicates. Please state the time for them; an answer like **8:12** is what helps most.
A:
**10:53**
